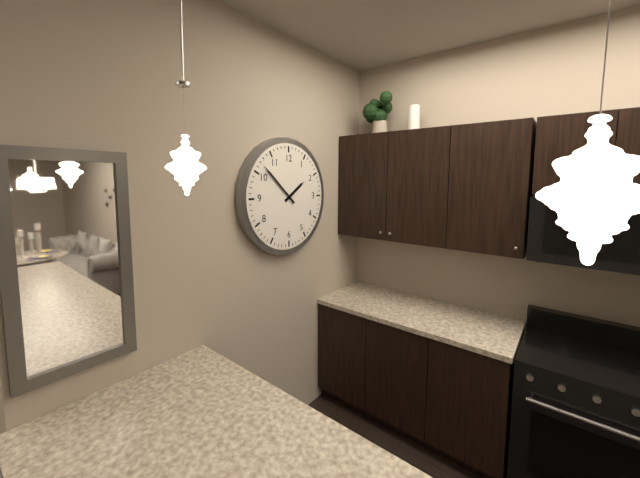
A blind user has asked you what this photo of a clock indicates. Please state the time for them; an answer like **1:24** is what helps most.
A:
**1:52**
